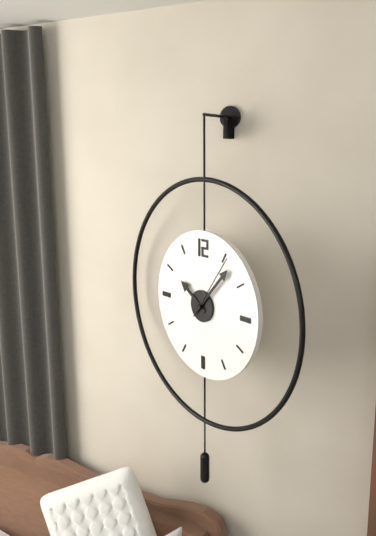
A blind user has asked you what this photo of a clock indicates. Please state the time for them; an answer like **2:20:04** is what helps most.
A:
**10:07:06**
